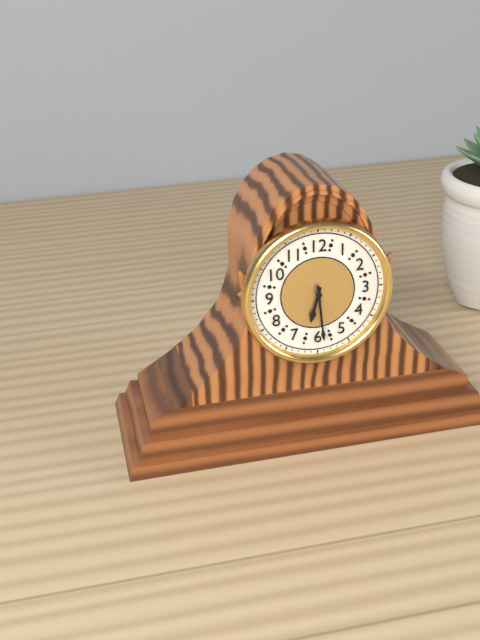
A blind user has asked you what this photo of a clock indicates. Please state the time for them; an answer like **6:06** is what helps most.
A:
**6:29**
